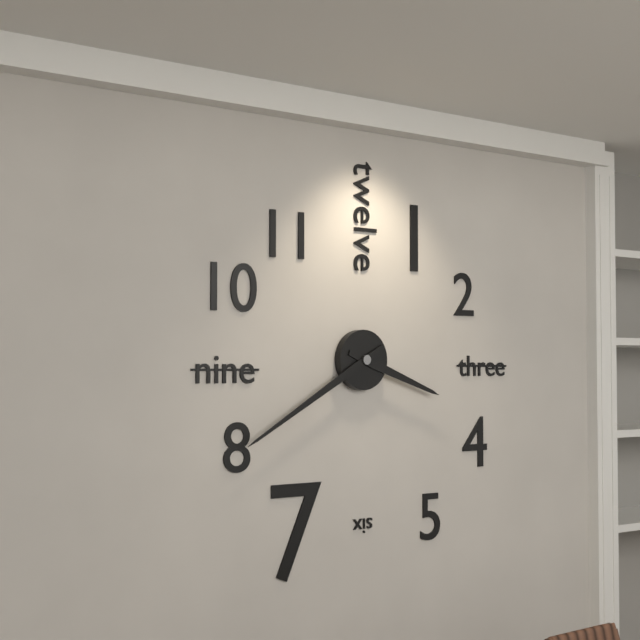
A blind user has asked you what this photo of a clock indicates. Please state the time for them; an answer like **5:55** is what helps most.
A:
**3:40**
